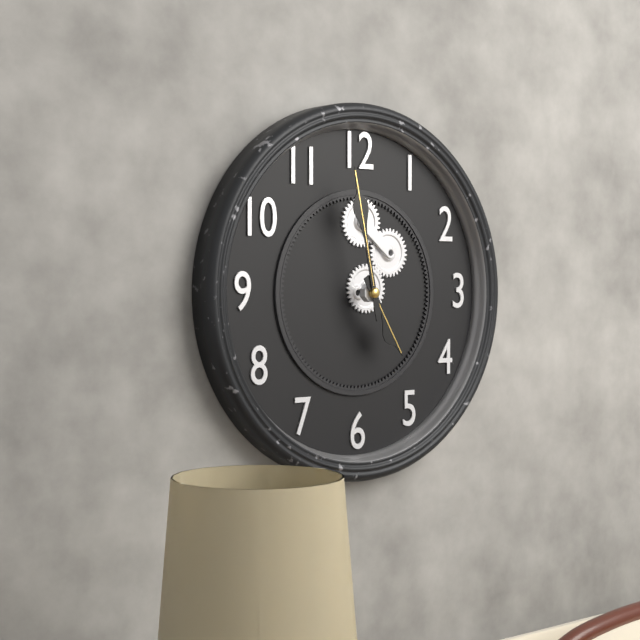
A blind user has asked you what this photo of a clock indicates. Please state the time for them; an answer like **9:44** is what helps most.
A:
**4:58**
